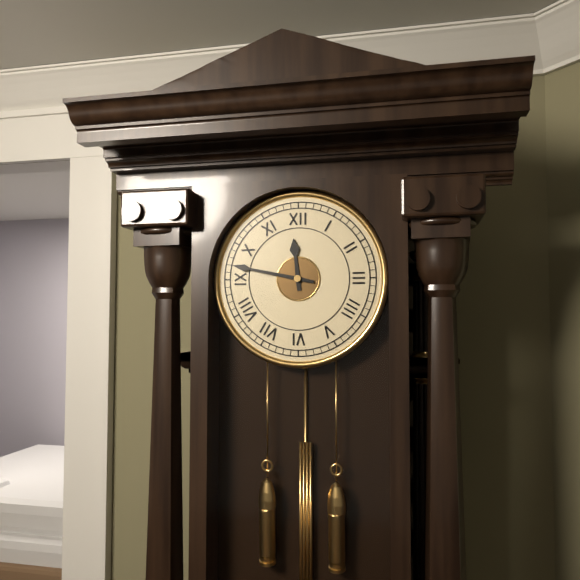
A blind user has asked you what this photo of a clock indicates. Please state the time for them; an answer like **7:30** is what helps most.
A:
**11:47**
